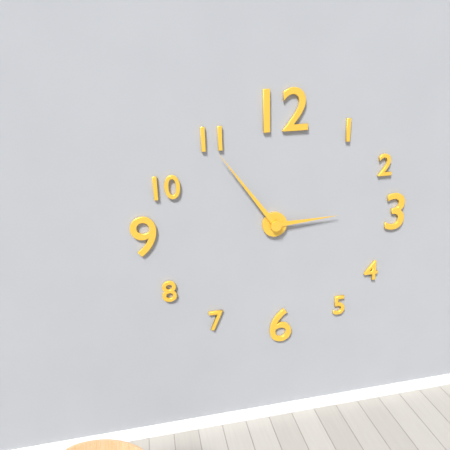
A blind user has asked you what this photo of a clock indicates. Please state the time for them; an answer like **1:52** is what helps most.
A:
**2:54**
